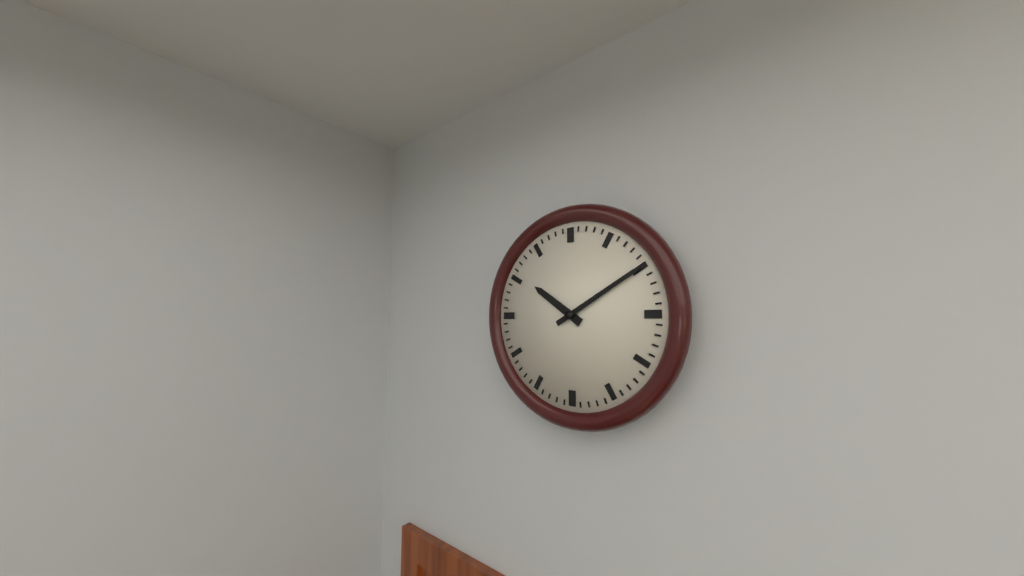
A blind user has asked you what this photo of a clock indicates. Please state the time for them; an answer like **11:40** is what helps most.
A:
**10:10**
